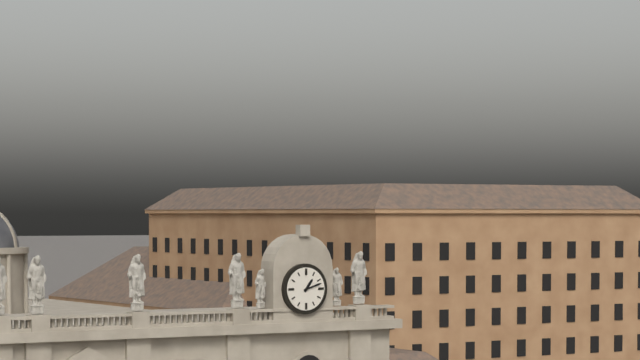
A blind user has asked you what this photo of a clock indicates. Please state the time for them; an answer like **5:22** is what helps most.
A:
**1:12**
